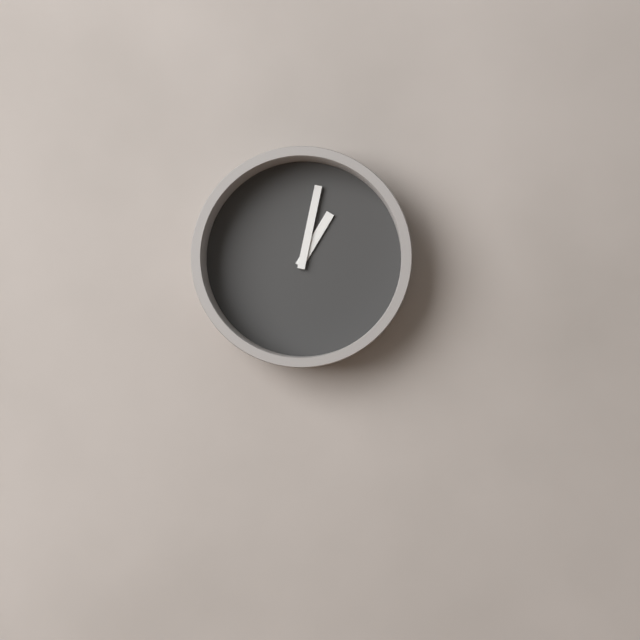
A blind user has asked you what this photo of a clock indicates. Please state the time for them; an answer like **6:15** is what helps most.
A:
**1:02**
